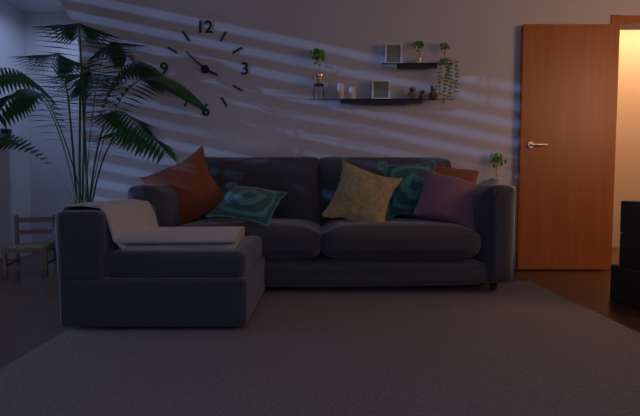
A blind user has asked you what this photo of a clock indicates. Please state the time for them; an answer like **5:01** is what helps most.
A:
**3:52**
